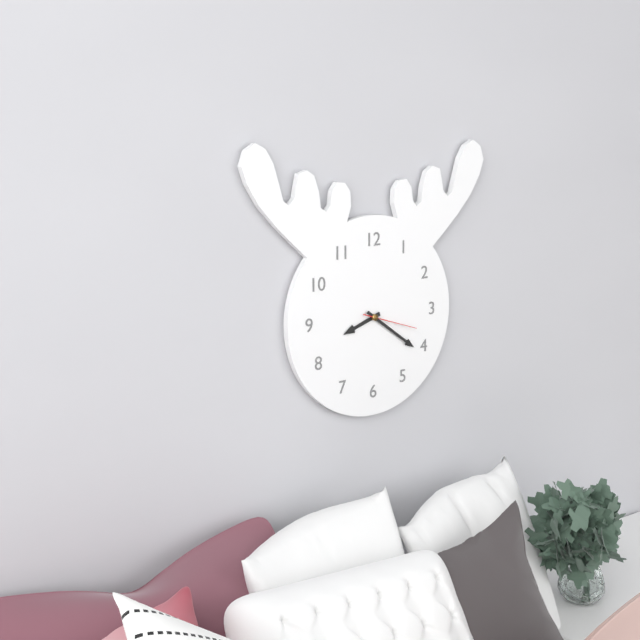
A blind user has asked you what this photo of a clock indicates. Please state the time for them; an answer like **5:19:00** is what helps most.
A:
**8:21:18**
